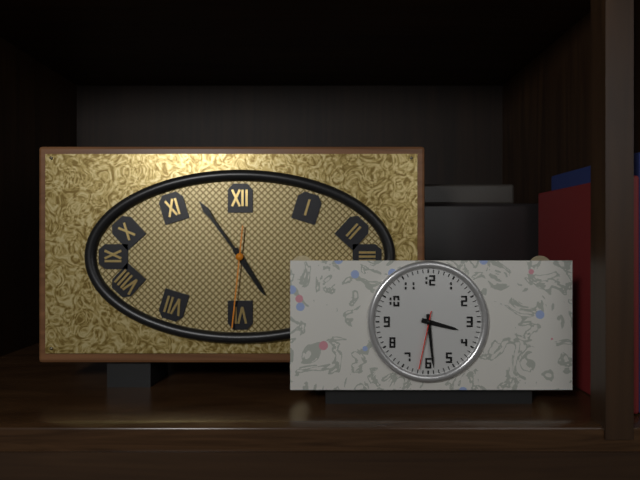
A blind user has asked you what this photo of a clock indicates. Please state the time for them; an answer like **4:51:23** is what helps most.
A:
**4:54:31**
